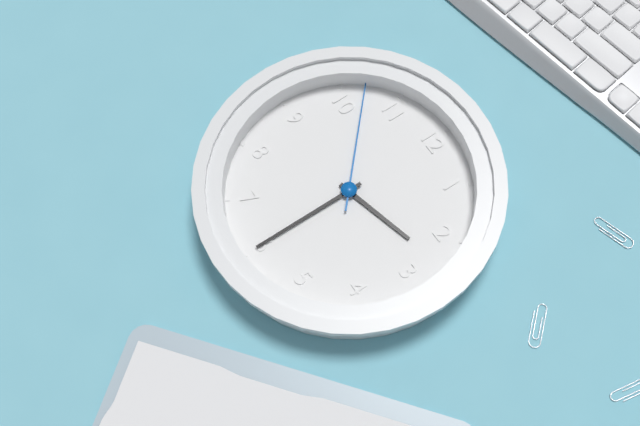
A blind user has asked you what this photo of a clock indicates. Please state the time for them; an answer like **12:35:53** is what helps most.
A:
**2:30:52**
